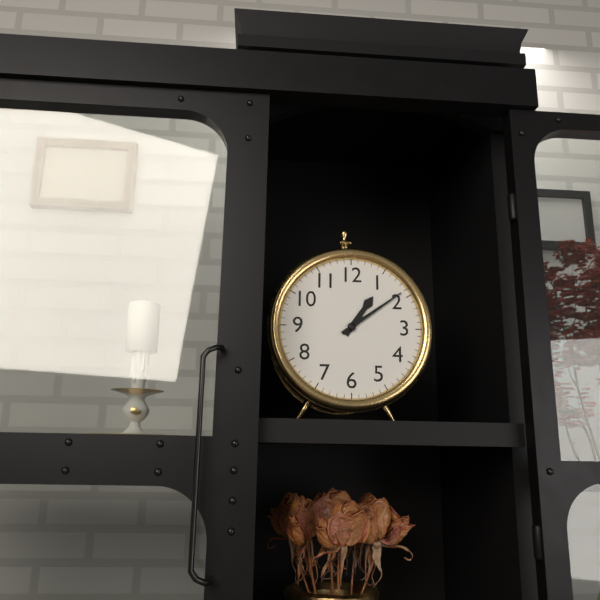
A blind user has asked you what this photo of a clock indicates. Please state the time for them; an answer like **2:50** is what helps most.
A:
**1:09**
